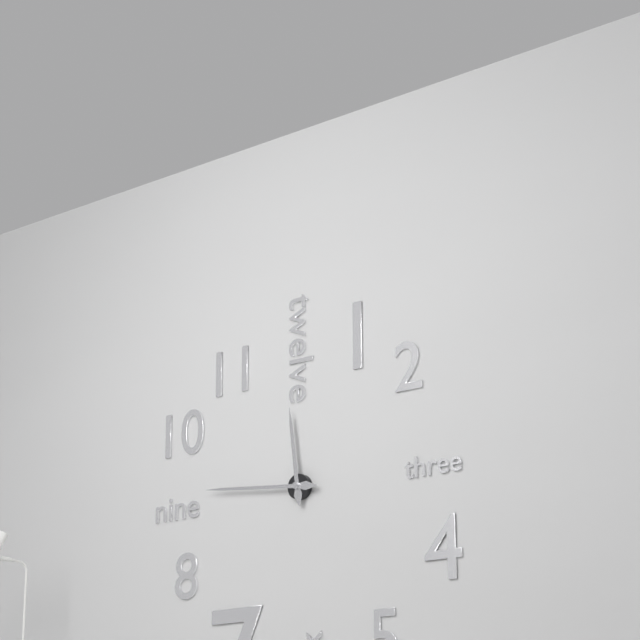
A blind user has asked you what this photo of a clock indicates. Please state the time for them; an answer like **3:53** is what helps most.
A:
**11:46**
